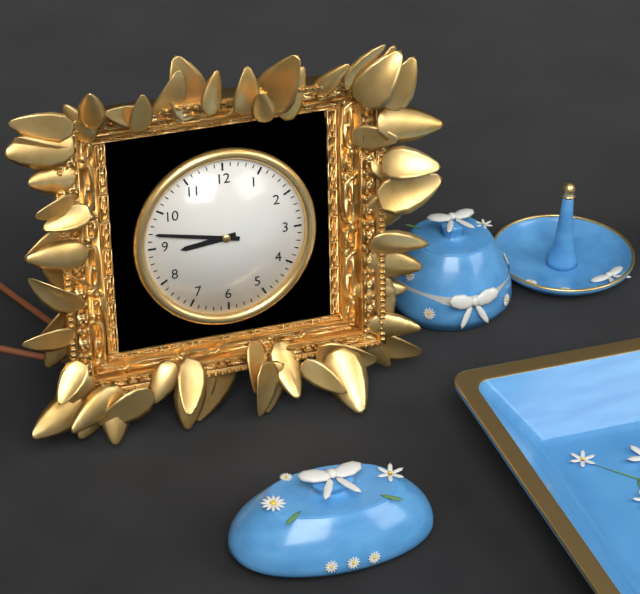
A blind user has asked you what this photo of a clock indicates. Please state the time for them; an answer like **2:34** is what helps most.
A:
**8:47**
